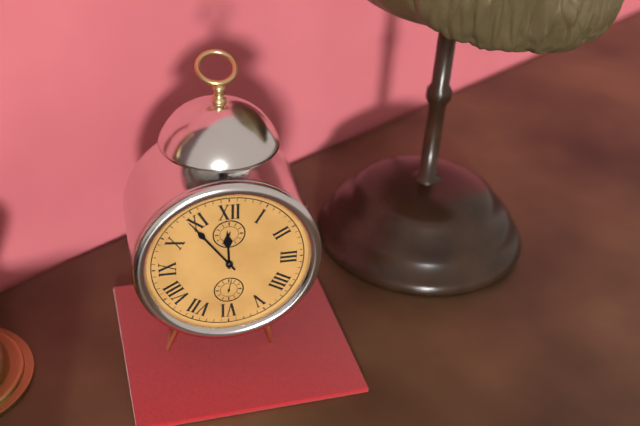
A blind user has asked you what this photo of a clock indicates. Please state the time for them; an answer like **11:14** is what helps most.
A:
**11:54**
